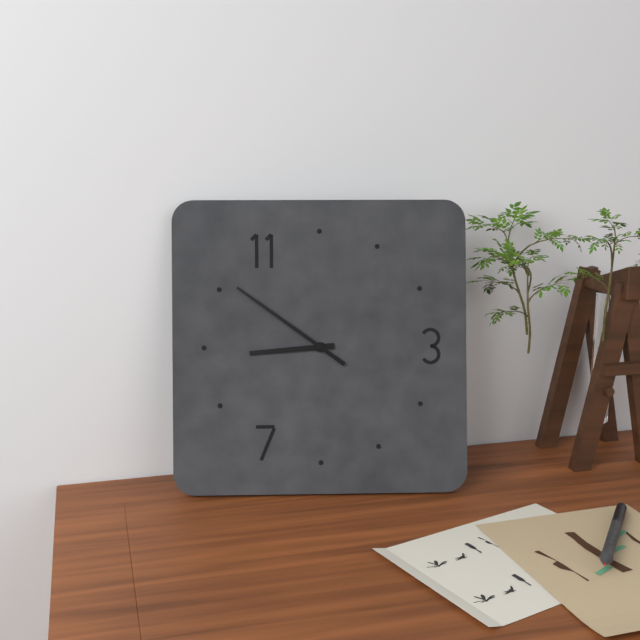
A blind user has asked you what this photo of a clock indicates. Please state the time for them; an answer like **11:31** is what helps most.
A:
**8:51**
